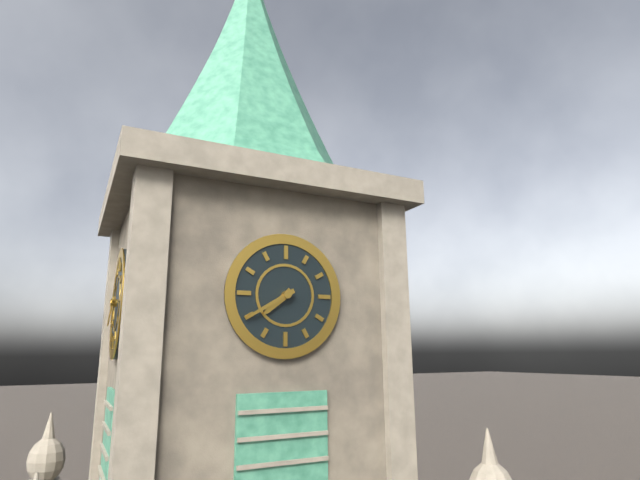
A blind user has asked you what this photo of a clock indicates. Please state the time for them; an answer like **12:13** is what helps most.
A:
**7:40**
